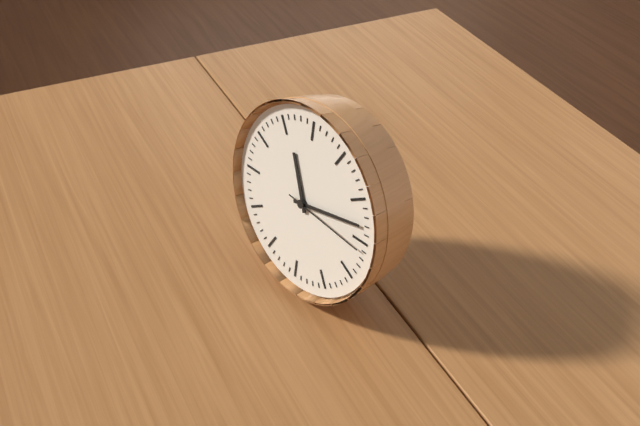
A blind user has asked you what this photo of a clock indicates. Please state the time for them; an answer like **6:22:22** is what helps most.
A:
**11:13:16**
